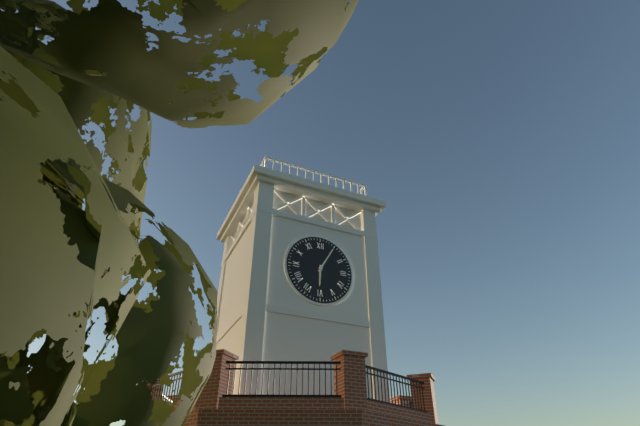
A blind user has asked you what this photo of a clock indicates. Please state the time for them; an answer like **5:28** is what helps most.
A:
**6:05**
